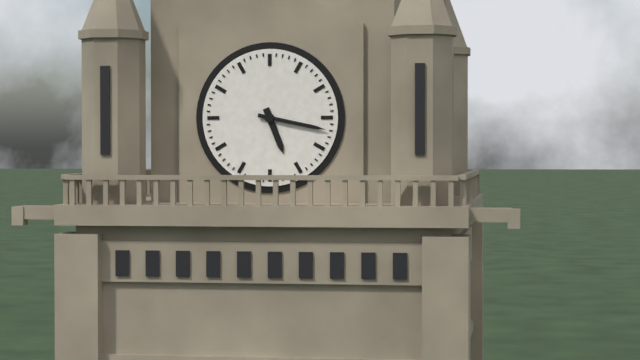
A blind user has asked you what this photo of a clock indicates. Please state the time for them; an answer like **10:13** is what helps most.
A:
**5:17**
